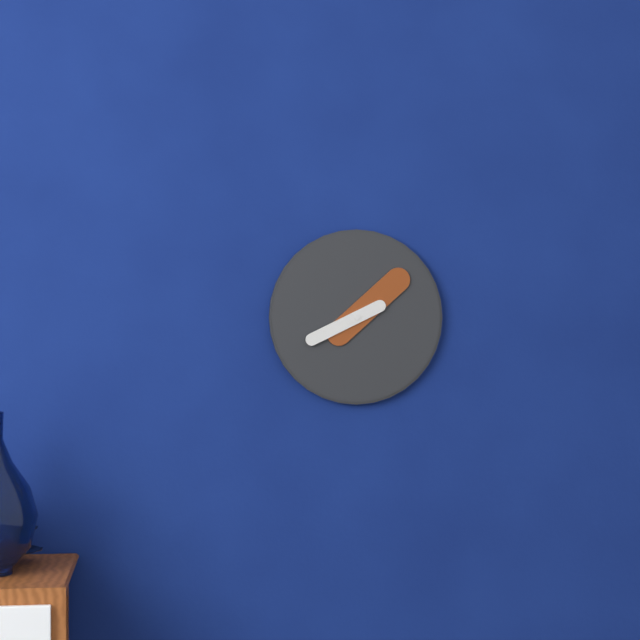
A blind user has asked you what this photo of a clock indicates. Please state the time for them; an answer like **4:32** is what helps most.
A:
**8:08**
